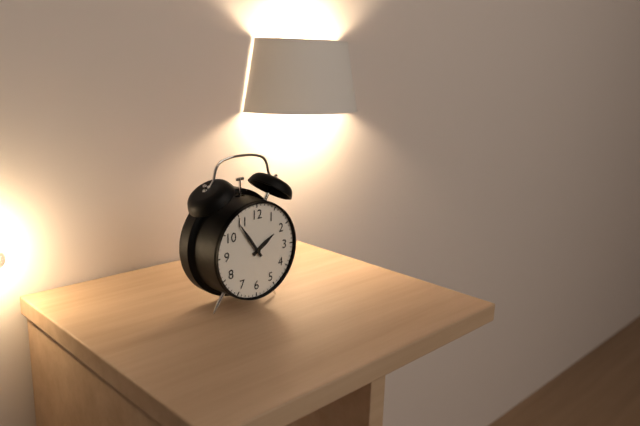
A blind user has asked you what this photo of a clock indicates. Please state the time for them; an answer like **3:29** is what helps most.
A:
**1:54**
